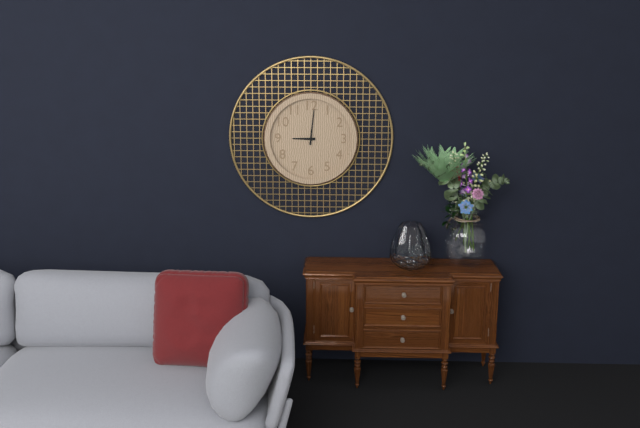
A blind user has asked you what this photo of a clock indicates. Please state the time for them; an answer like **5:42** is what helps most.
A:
**9:01**
